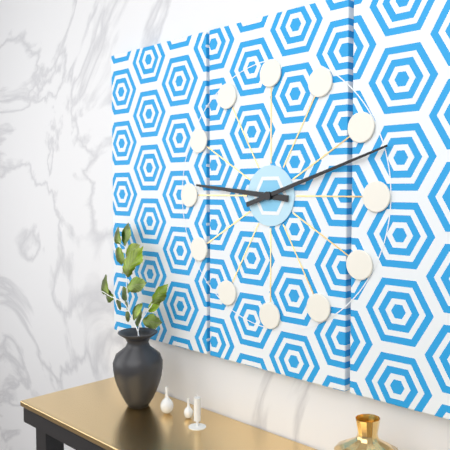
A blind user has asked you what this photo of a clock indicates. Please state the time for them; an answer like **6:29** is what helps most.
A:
**9:12**
